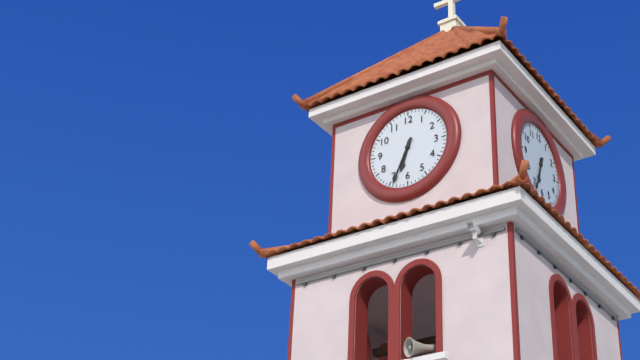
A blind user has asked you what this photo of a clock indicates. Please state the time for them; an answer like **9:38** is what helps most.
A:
**6:34**
